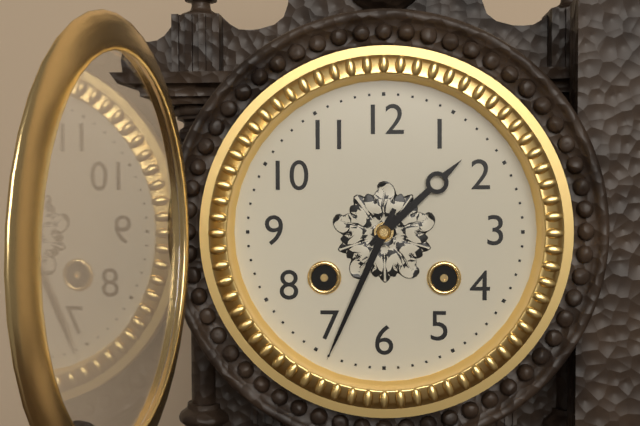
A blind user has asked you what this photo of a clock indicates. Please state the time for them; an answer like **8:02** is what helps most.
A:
**1:34**
